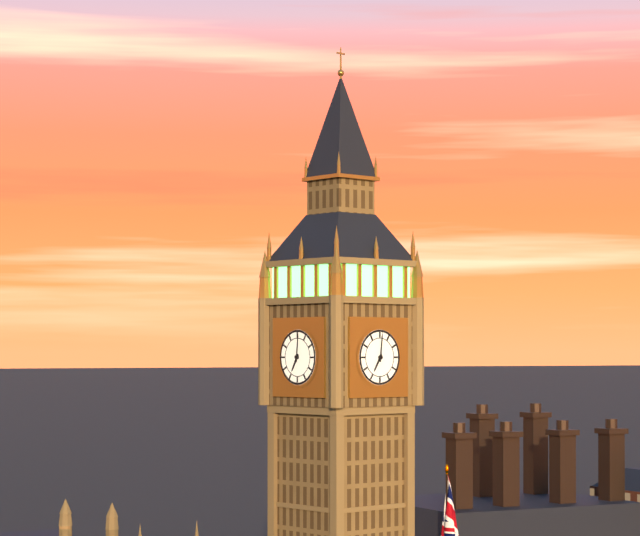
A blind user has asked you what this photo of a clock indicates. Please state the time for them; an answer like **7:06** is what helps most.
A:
**7:01**
